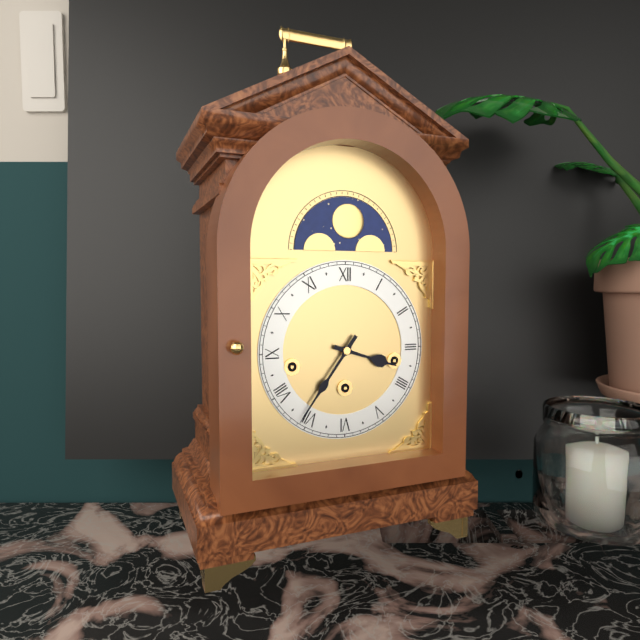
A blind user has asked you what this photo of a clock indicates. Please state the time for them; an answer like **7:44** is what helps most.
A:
**3:36**
